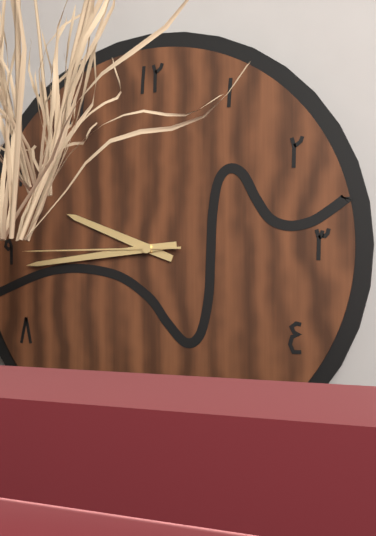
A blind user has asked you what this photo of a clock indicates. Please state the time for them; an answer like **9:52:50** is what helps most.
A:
**9:44:45**
